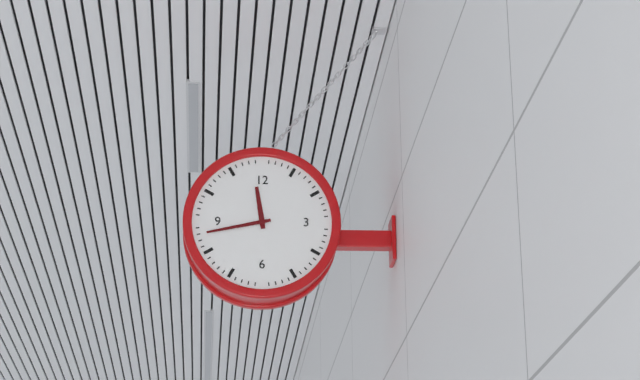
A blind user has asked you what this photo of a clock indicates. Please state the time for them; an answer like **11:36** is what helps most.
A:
**11:43**
